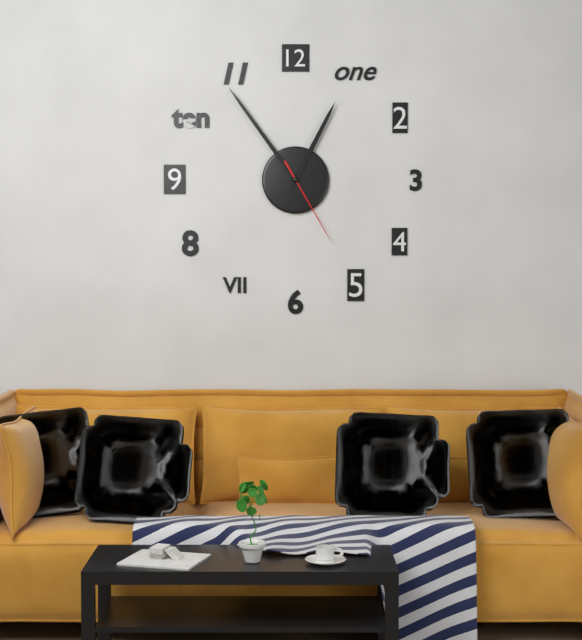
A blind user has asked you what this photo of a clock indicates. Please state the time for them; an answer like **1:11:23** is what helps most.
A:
**12:54:25**
